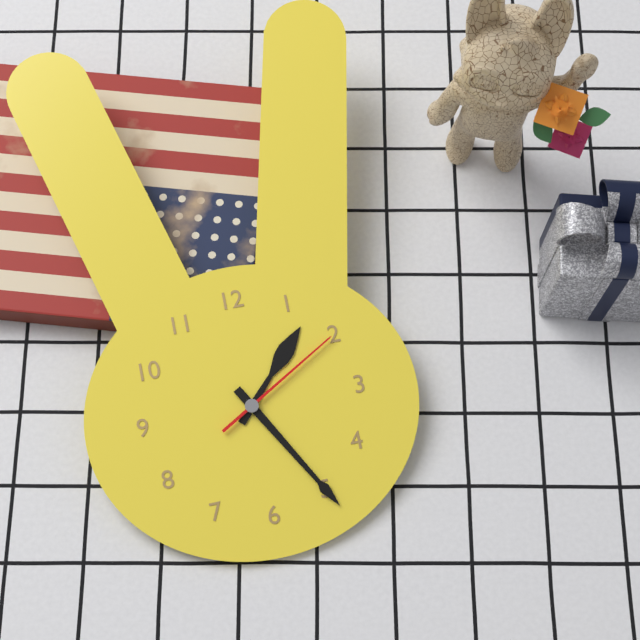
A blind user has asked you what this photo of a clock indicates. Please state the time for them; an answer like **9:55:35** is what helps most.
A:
**1:25:10**
